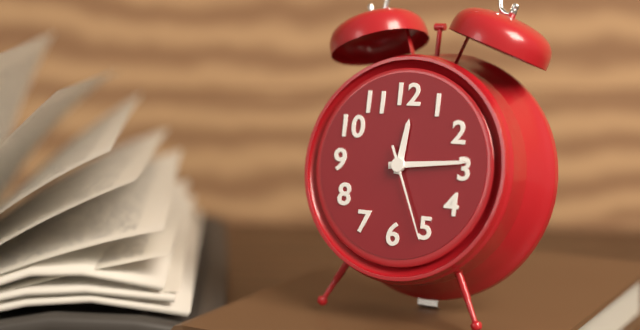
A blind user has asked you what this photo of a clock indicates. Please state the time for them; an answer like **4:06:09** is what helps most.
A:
**12:14:26**
